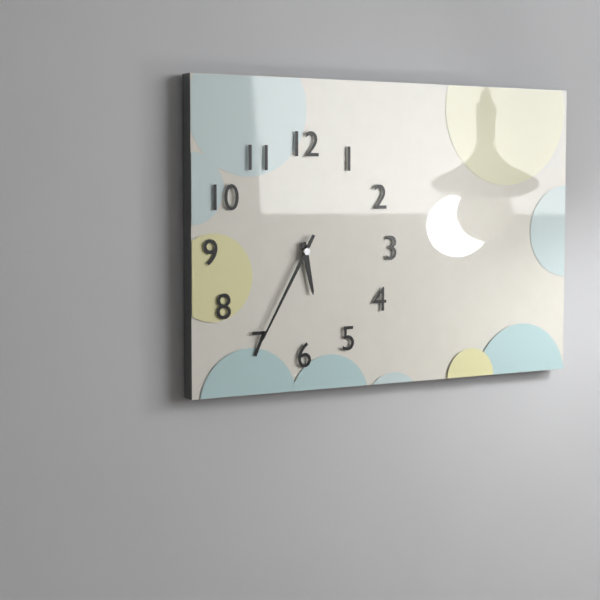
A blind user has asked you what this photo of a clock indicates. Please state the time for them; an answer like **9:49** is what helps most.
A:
**5:35**
